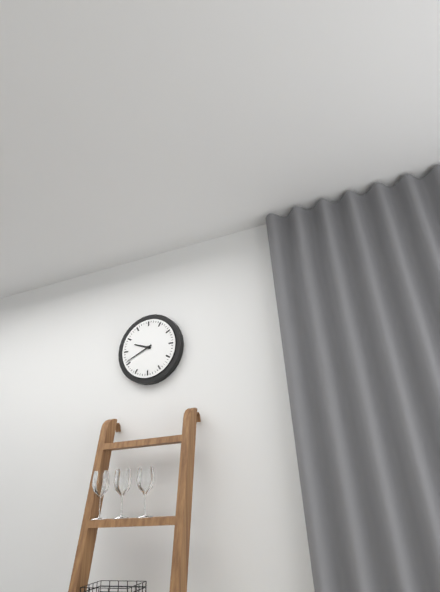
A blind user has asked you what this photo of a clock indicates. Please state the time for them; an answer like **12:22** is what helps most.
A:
**9:41**
